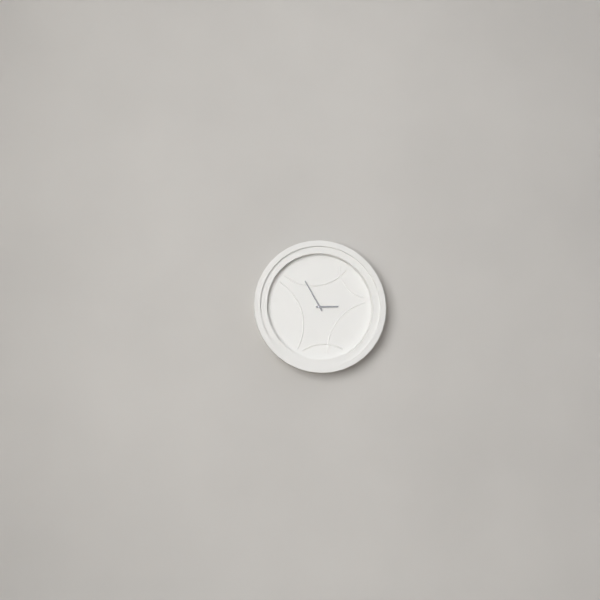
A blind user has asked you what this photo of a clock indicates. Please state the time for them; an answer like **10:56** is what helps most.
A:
**2:55**
